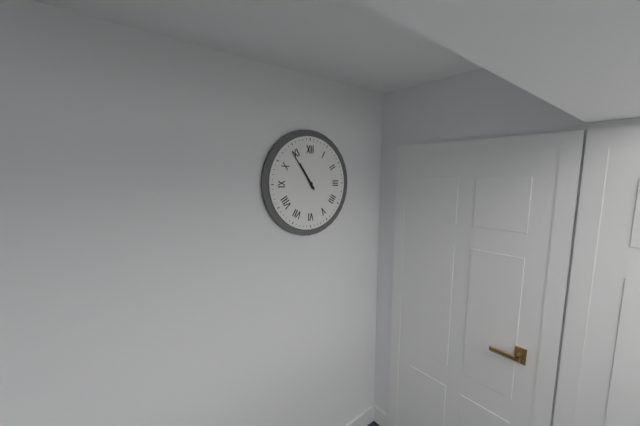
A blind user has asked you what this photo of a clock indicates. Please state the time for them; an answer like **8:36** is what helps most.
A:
**10:54**
